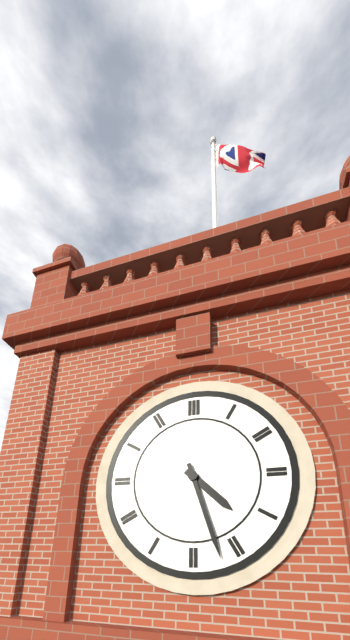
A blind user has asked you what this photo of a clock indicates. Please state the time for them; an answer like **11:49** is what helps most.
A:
**4:27**
